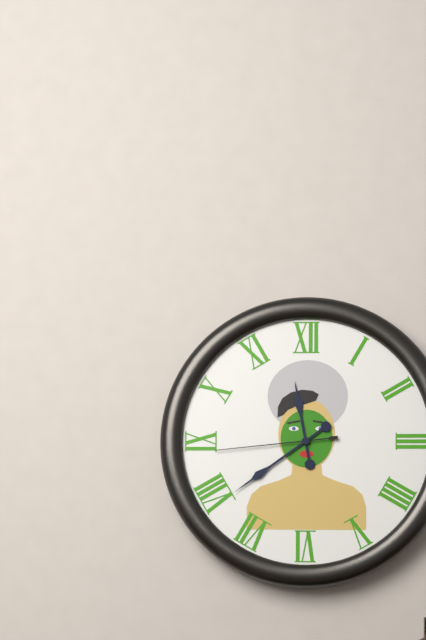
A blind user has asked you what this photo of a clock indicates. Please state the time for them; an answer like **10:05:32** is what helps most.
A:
**11:39:44**
